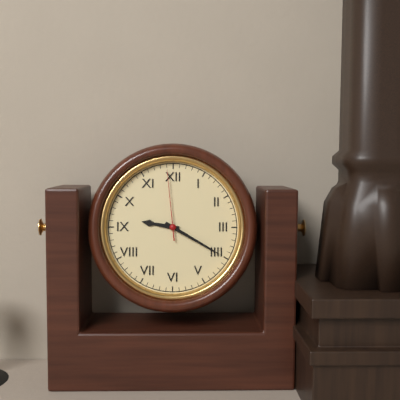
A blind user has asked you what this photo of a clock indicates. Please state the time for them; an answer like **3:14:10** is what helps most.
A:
**9:20:59**
